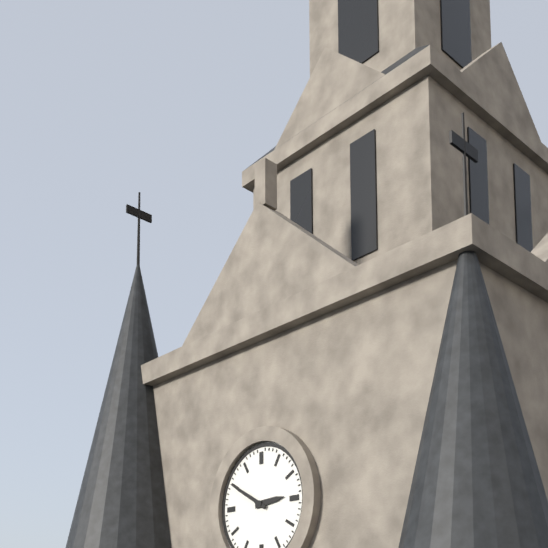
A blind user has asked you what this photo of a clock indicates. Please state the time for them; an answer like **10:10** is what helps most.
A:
**2:50**
